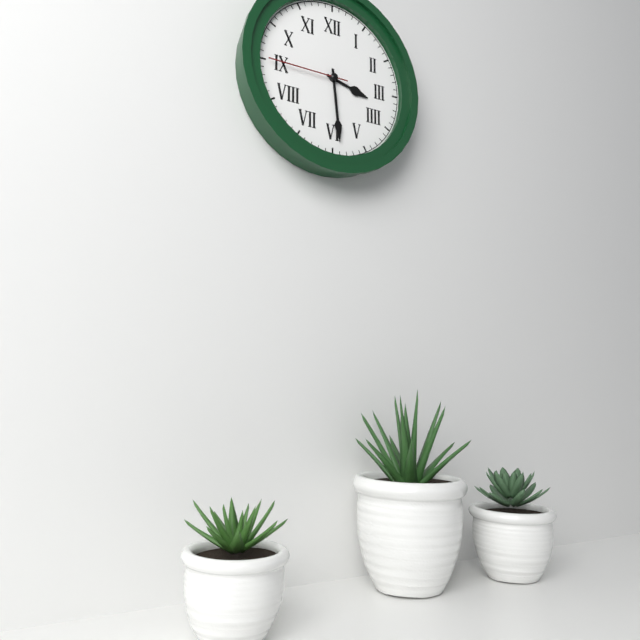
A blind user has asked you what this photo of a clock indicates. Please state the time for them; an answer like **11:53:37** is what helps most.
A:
**3:29:45**
